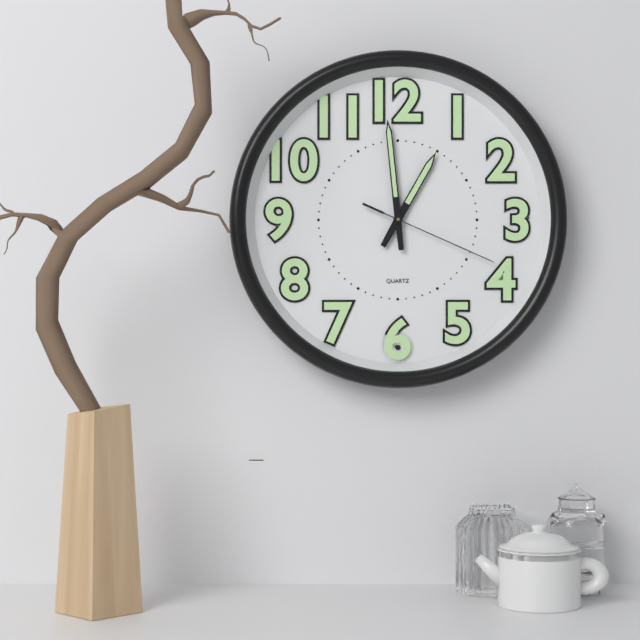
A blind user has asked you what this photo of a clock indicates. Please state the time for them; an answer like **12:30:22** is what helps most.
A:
**12:59:19**
